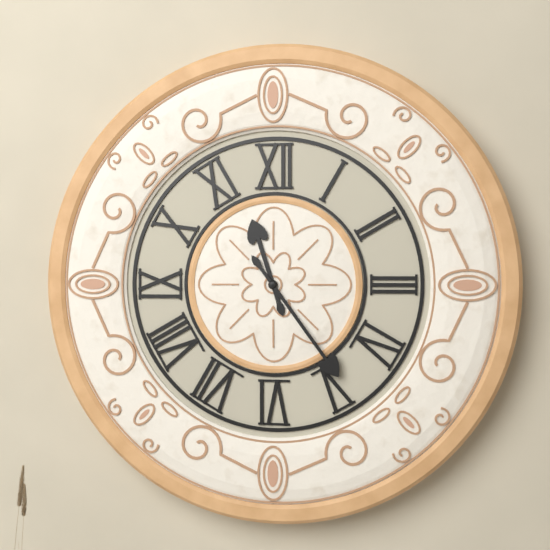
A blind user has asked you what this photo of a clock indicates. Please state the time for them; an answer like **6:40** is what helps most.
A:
**11:24**
